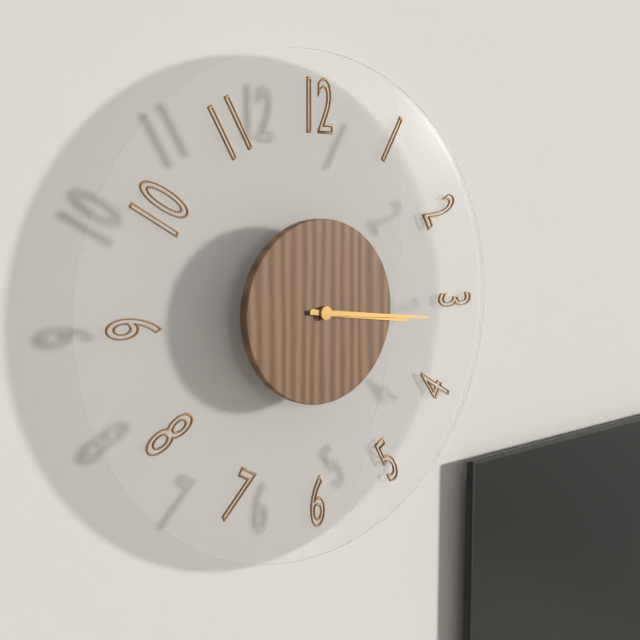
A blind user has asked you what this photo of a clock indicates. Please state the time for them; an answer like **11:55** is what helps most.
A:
**3:16**
